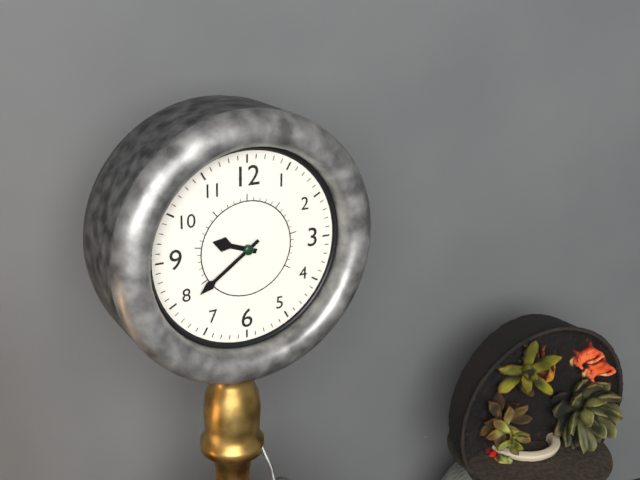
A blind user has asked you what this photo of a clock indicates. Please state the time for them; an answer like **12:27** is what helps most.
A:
**9:39**
